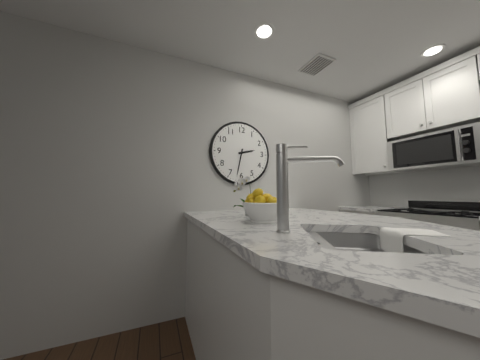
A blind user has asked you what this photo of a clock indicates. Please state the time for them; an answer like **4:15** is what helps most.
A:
**2:32**
